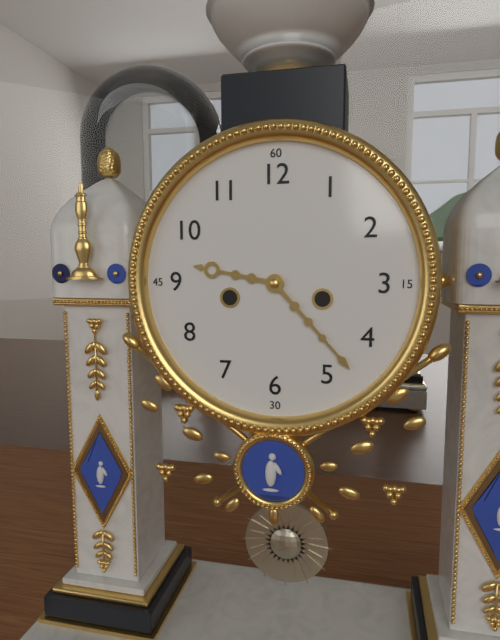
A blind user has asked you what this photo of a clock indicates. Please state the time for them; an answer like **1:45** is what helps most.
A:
**9:23**
